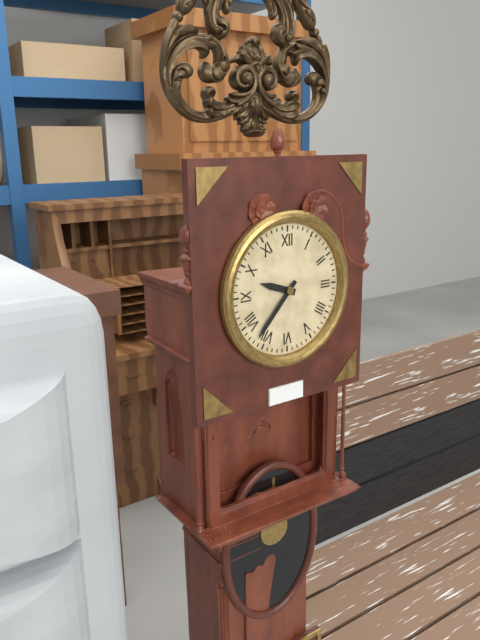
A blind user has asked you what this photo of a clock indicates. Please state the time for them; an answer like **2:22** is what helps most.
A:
**9:37**
